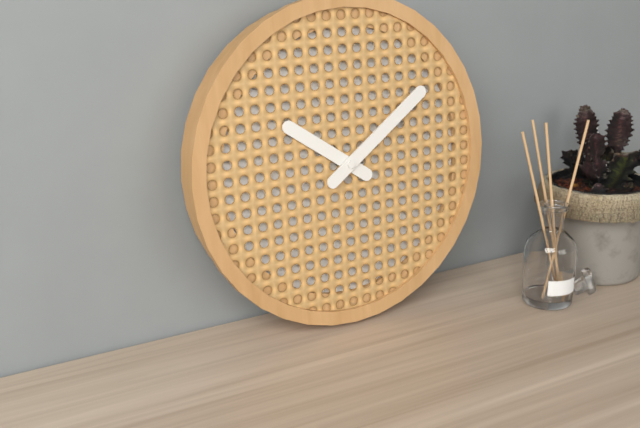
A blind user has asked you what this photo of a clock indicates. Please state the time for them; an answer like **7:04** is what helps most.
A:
**10:09**
